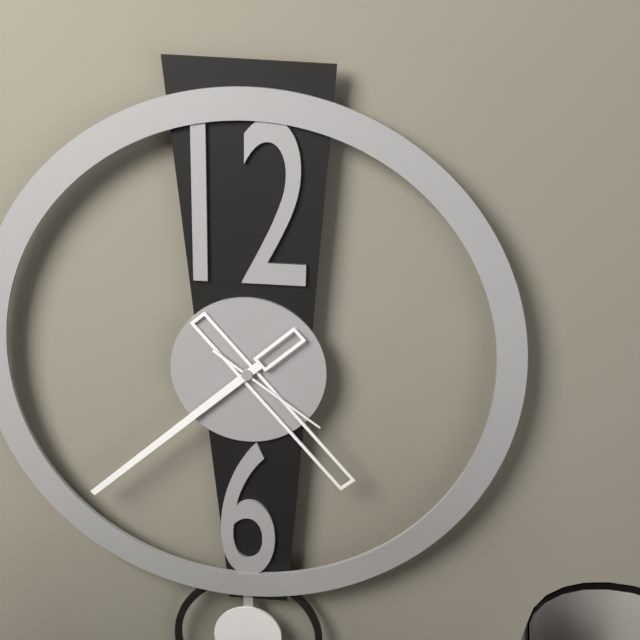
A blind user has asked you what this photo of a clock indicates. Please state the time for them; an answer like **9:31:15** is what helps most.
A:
**4:38:21**
